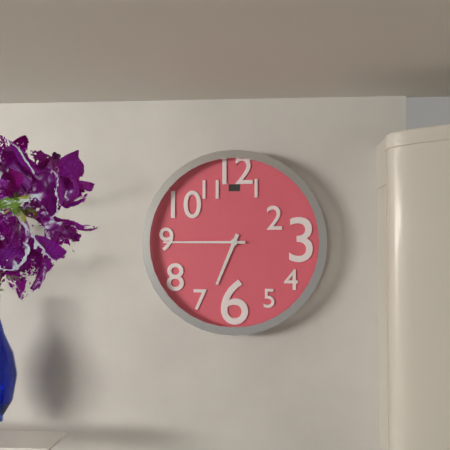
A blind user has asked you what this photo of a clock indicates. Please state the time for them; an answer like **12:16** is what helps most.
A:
**6:45**
